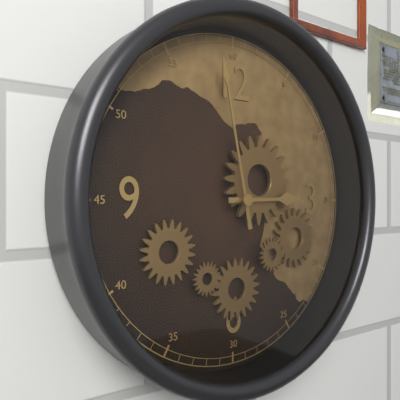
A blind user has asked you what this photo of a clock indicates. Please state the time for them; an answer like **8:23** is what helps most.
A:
**2:58**
